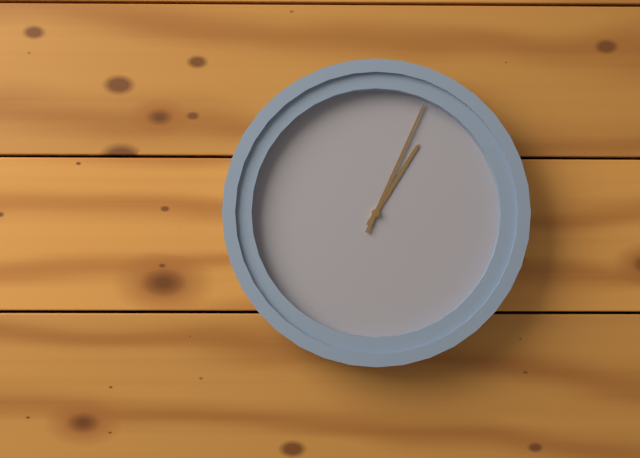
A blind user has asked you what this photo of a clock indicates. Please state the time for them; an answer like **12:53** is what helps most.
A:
**1:04**
